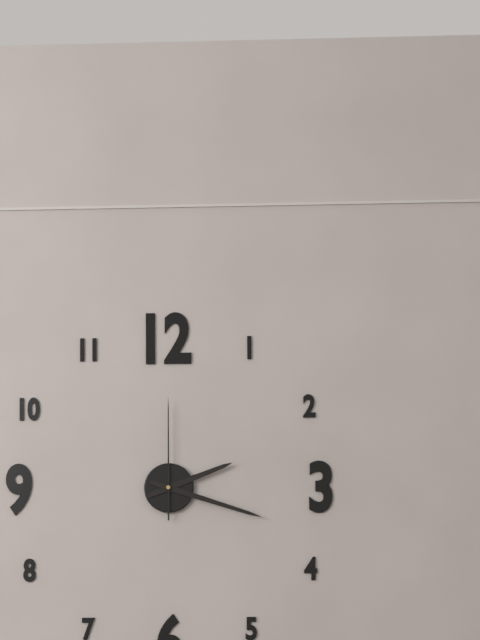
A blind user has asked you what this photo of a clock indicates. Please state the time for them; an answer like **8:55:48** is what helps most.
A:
**2:18:00**
